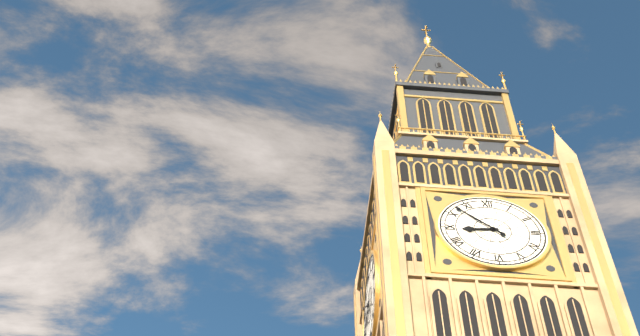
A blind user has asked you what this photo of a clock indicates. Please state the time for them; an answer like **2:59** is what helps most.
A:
**8:52**
